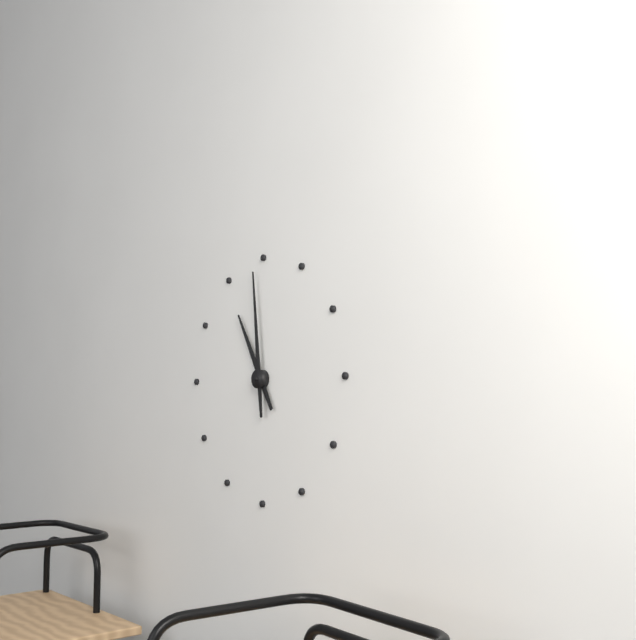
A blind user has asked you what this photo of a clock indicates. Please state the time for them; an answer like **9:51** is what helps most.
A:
**10:59**
